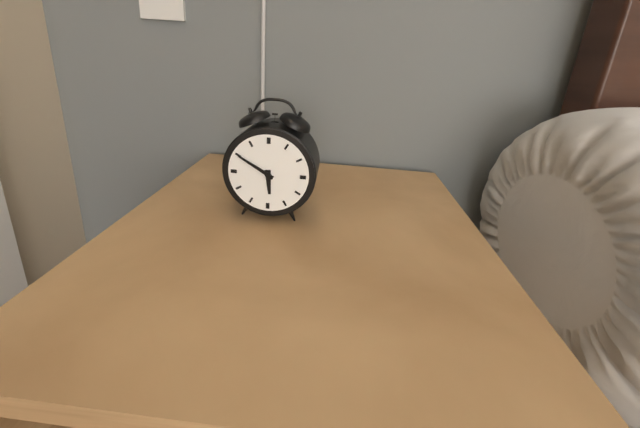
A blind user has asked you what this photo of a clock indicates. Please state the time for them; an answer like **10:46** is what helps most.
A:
**5:50**
